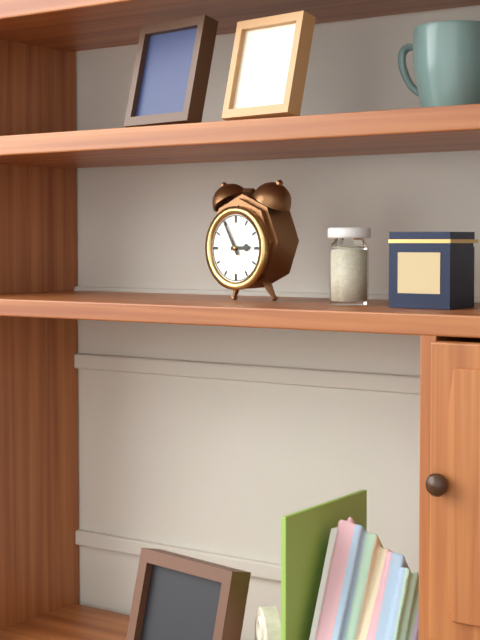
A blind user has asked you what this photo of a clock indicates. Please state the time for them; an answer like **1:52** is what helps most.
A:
**2:55**
